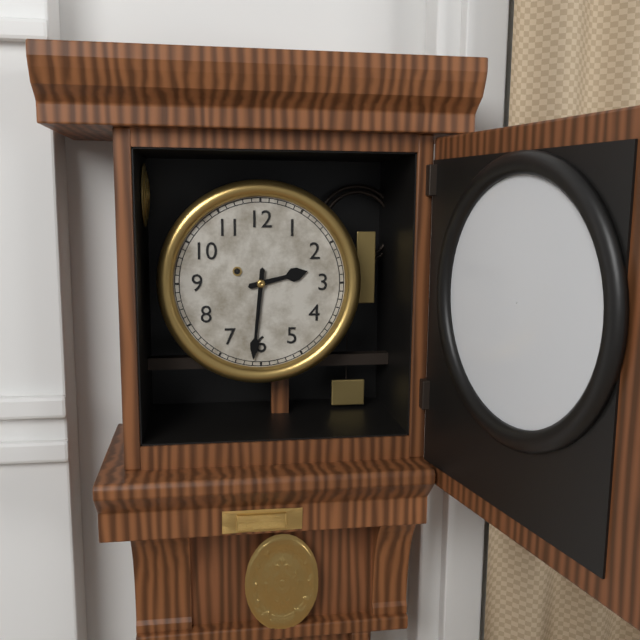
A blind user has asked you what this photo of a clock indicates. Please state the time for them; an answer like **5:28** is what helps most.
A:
**2:31**
